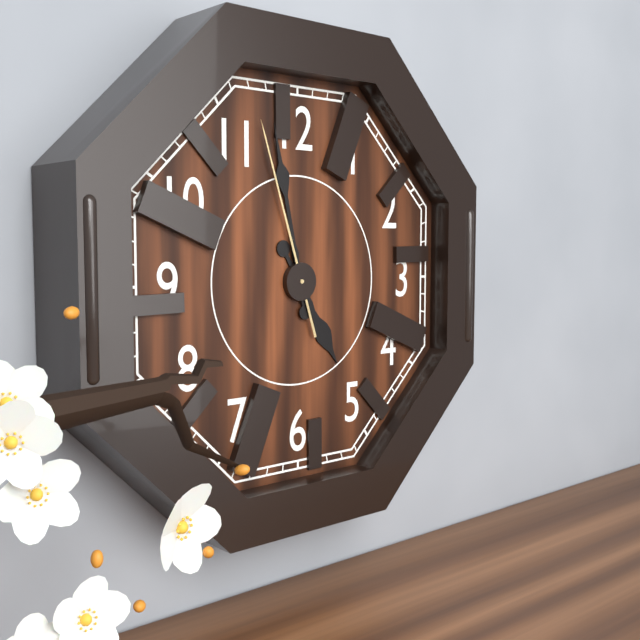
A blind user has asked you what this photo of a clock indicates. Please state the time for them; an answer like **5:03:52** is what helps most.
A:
**4:58:57**
